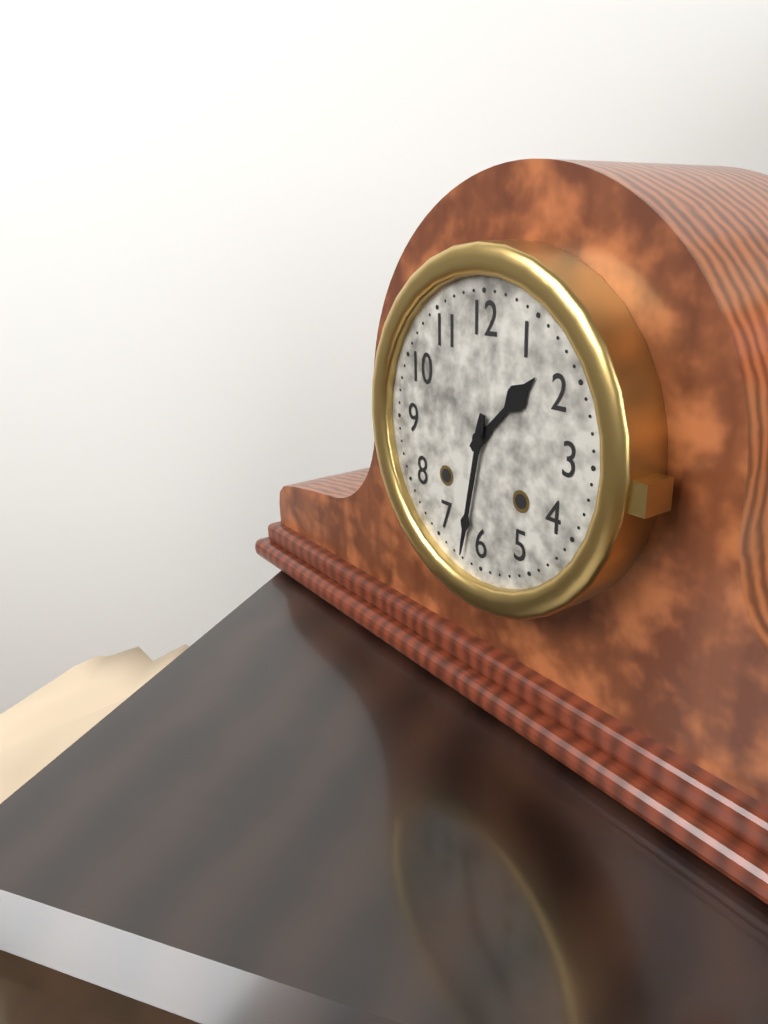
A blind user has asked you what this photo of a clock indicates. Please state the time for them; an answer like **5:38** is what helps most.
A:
**1:32**
